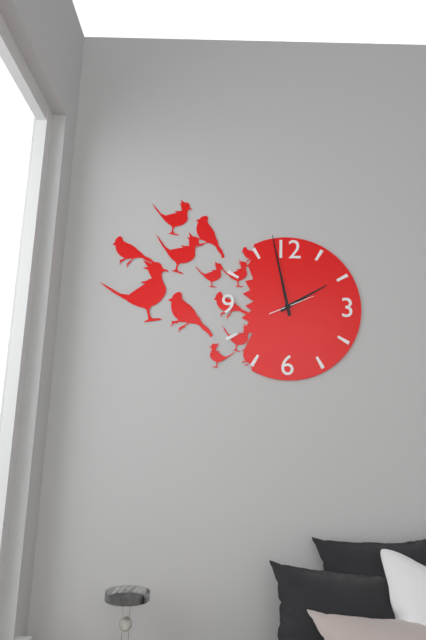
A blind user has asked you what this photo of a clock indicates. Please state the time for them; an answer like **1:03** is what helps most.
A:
**1:58**
